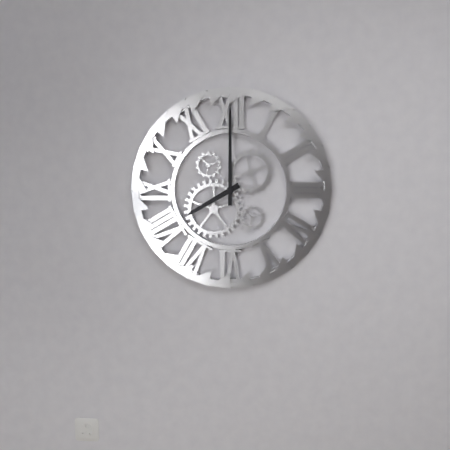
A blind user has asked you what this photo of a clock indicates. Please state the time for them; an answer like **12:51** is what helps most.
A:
**8:00**
